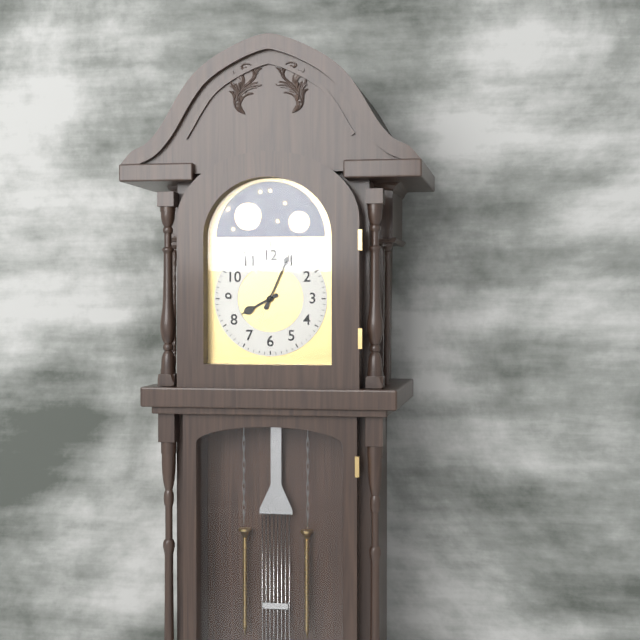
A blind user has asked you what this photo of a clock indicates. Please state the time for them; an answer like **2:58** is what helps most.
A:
**8:04**
